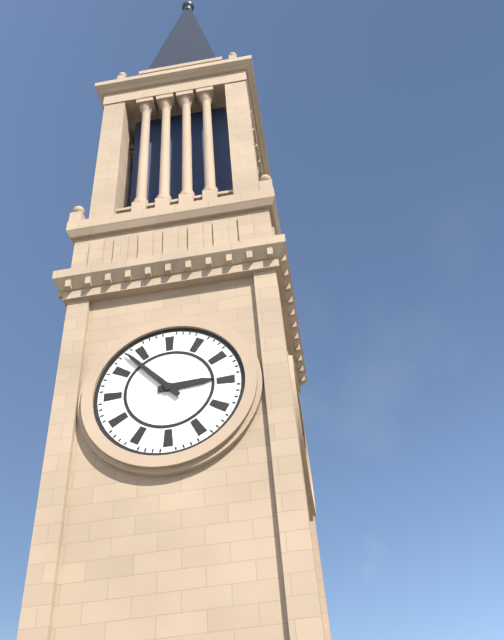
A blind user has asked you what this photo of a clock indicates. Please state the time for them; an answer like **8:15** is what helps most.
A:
**2:53**
